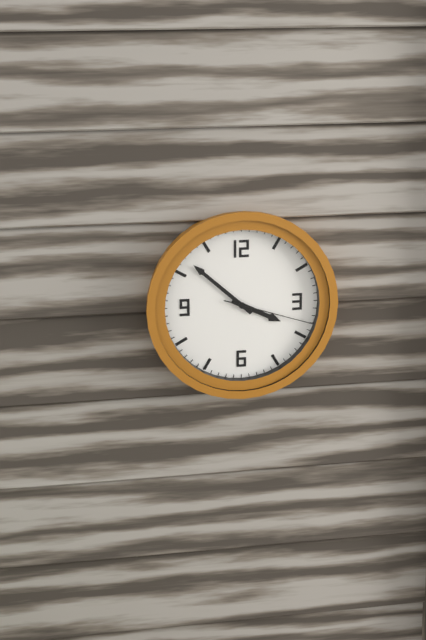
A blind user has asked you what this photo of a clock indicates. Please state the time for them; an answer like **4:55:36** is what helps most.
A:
**3:52:18**
